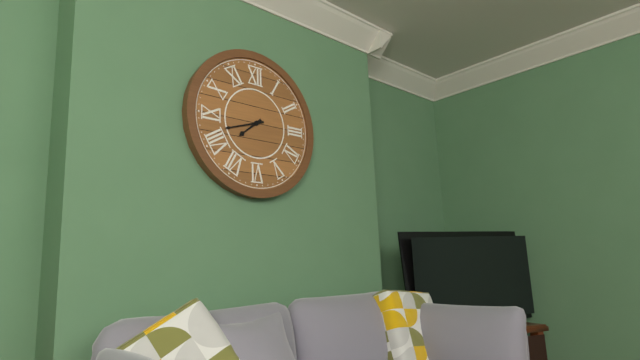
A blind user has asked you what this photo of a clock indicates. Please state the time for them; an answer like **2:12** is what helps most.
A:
**7:42**
